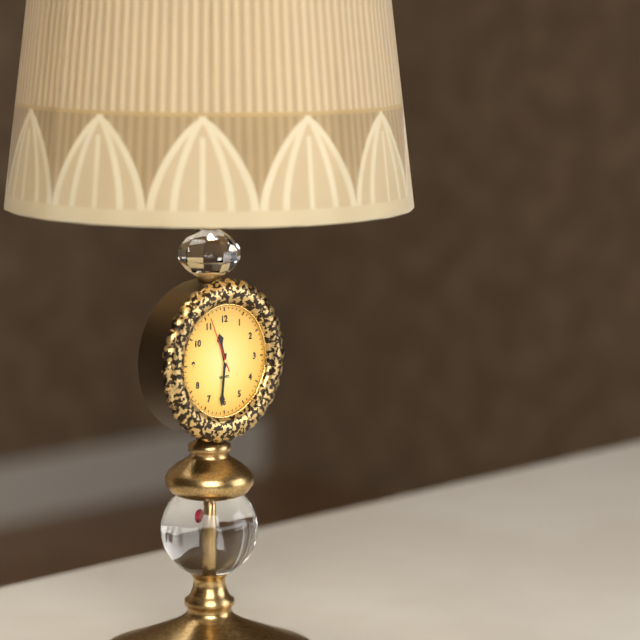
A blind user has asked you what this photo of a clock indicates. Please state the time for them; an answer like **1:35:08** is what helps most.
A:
**11:31:56**
